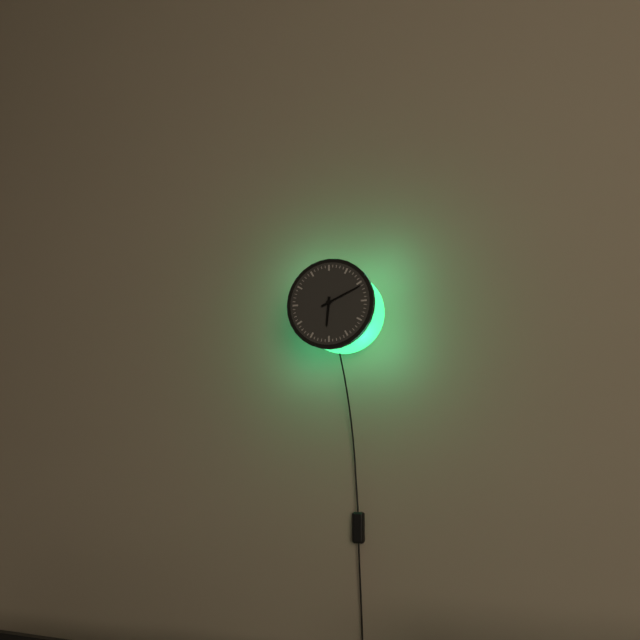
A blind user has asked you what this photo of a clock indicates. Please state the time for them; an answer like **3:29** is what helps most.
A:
**6:11**
